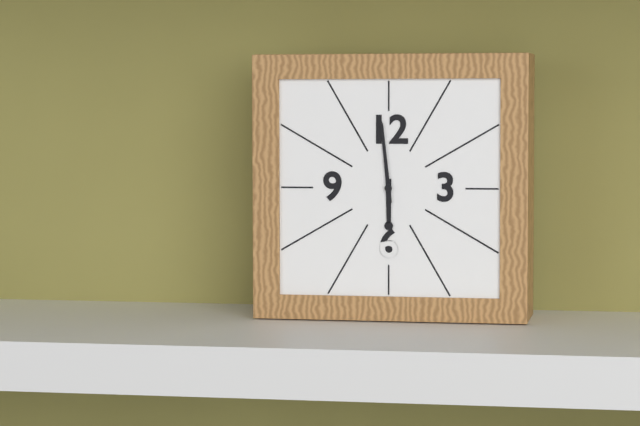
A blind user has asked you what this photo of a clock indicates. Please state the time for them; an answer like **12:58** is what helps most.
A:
**5:59**
